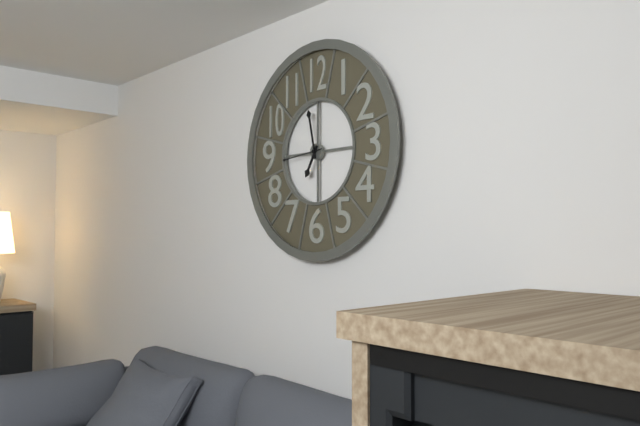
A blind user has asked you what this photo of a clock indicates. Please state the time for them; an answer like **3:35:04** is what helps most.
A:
**6:58:44**
